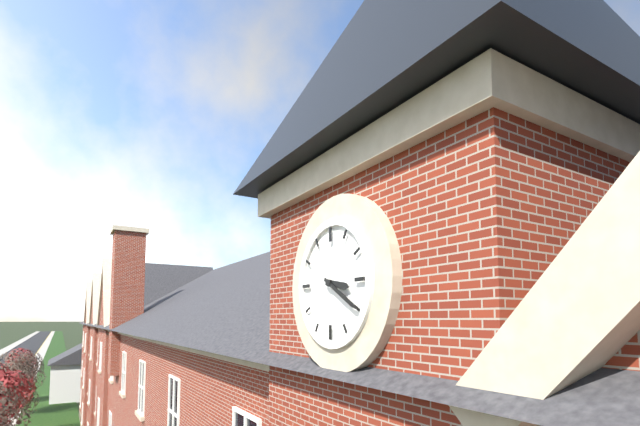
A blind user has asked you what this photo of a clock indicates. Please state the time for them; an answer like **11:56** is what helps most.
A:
**3:20**
